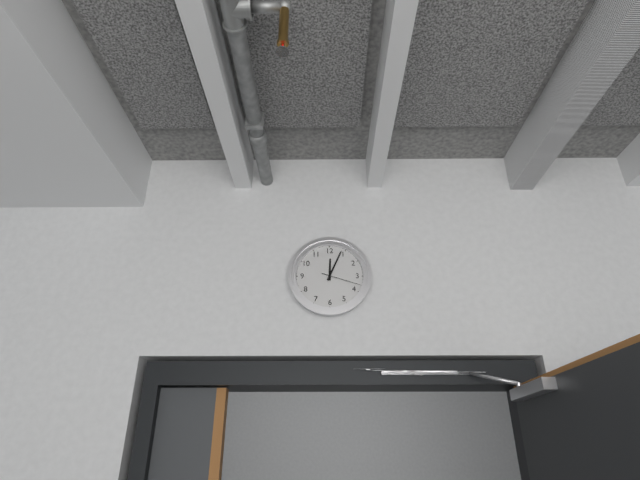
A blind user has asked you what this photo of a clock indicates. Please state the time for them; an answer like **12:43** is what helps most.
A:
**12:04**
